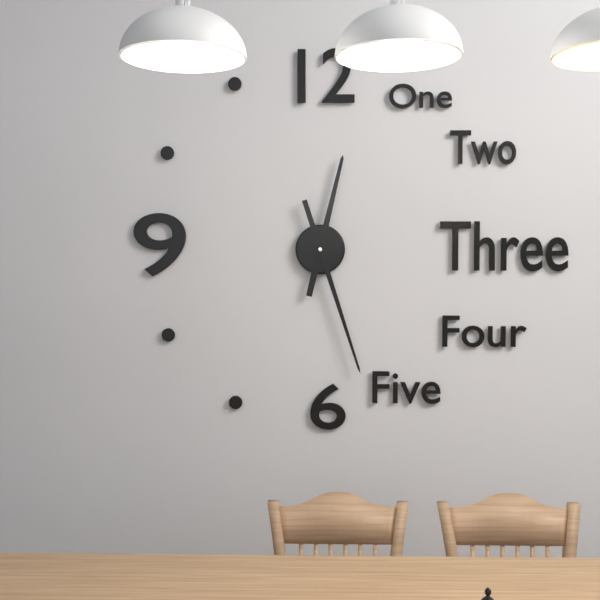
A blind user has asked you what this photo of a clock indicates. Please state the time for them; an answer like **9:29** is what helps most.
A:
**12:27**
